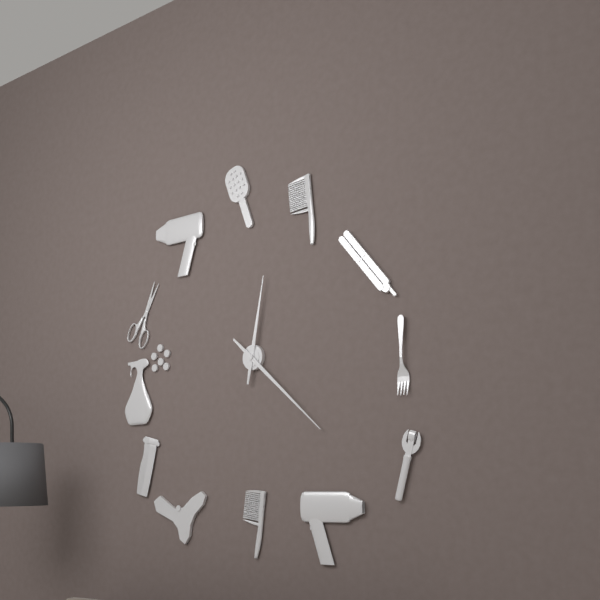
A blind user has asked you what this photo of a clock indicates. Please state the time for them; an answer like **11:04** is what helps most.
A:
**12:22**
